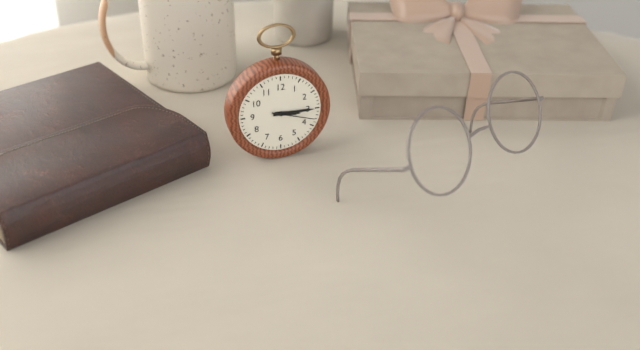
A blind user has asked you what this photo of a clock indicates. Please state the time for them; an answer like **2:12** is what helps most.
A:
**3:15**
